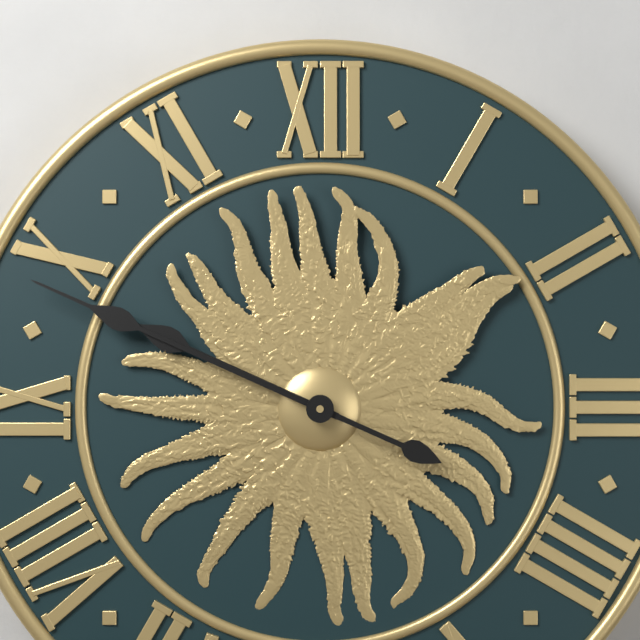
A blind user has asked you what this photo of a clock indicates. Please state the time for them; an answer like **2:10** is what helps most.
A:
**9:49**
